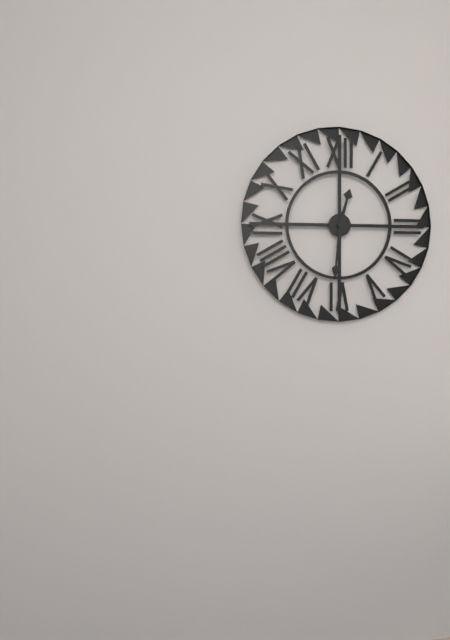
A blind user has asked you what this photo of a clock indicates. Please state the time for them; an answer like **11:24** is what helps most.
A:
**12:31**
